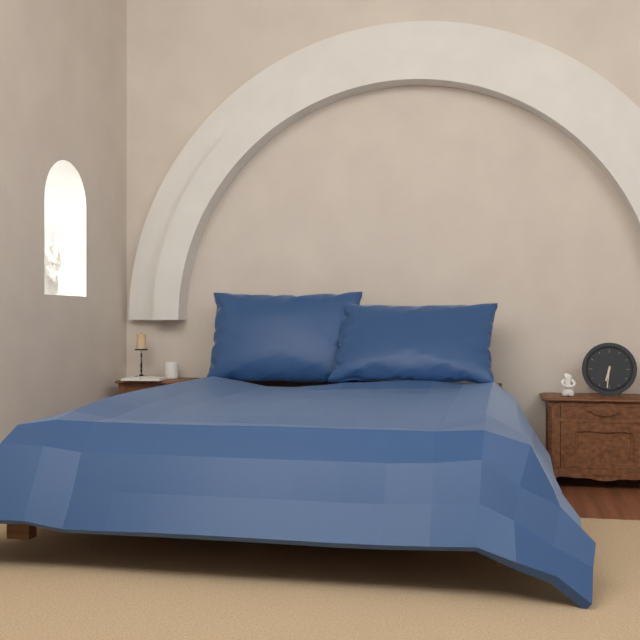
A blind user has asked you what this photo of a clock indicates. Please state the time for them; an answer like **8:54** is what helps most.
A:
**6:31**
